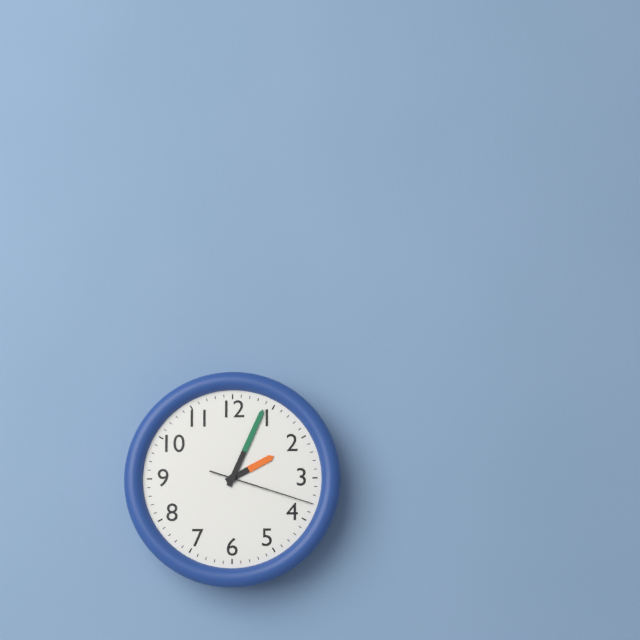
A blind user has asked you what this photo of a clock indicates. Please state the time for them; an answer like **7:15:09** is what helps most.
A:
**2:04:18**
